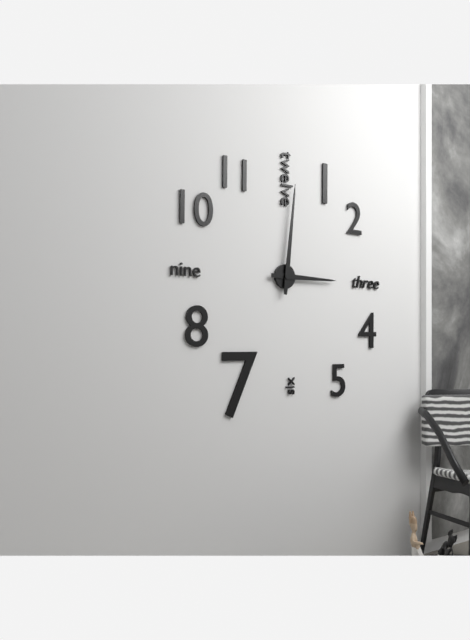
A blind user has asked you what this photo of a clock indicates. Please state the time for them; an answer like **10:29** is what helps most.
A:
**3:01**
